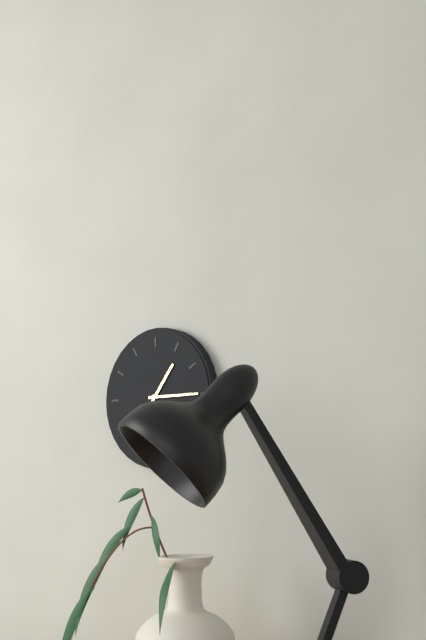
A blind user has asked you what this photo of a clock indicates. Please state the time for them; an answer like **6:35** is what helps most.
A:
**1:15**
